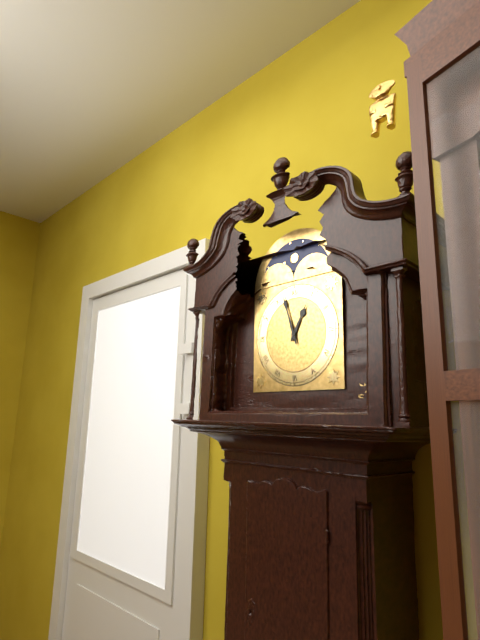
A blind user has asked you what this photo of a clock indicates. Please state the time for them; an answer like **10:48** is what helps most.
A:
**12:57**
